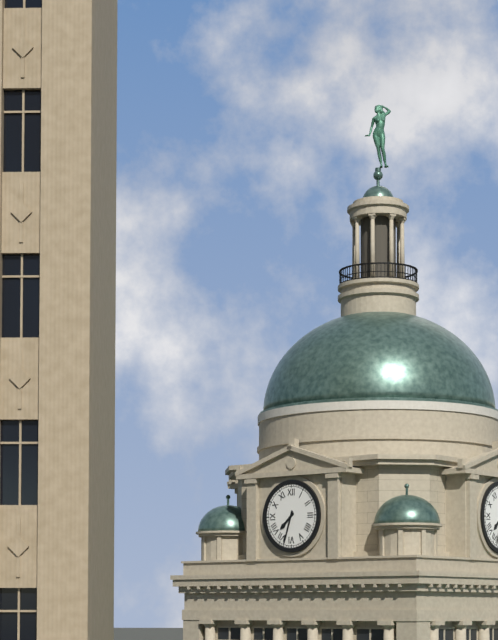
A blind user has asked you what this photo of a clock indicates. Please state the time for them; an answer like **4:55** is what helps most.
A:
**7:33**
